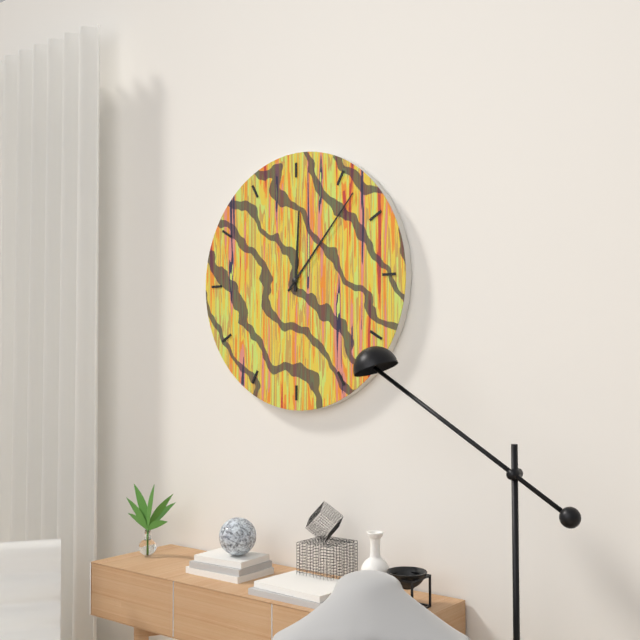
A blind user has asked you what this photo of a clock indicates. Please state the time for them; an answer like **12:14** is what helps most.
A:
**12:07**
